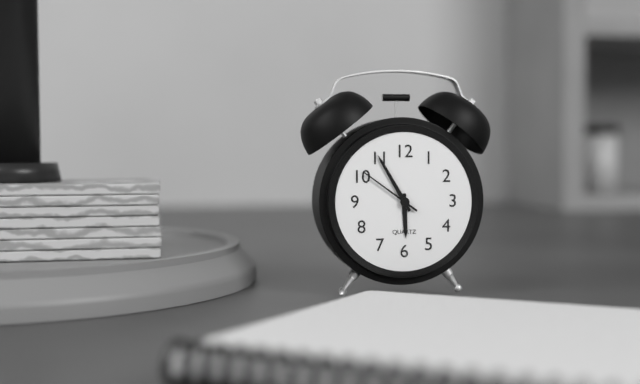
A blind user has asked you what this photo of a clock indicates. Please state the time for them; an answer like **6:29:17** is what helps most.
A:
**5:55:51**
